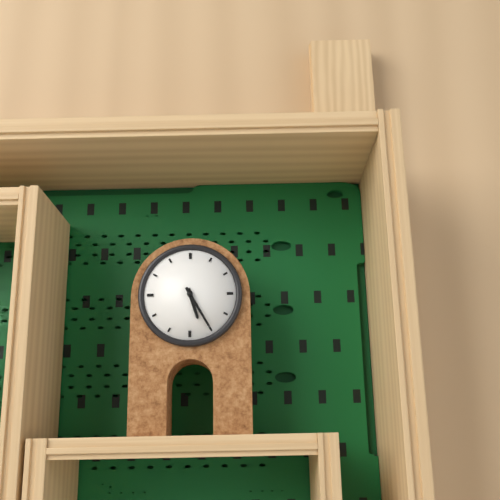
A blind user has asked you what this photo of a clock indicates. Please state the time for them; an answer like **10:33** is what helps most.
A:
**5:25**
